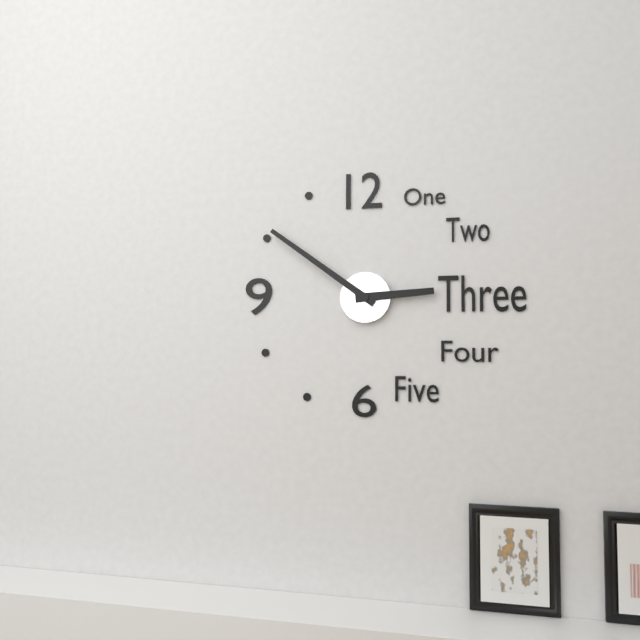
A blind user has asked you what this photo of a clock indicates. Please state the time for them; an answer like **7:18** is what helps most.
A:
**2:51**
